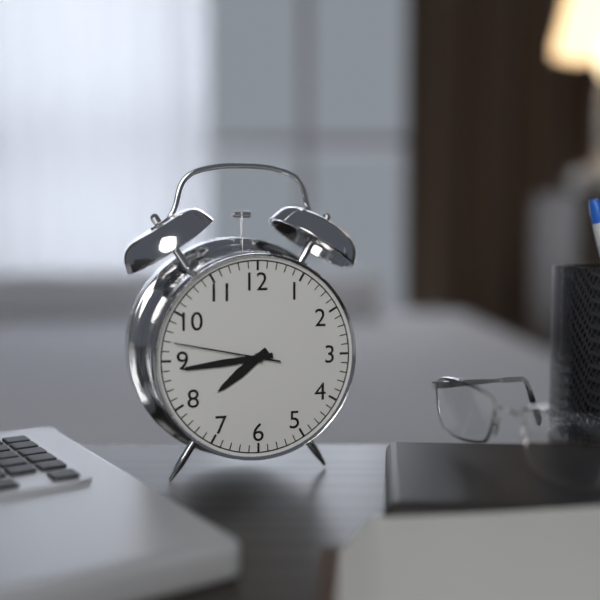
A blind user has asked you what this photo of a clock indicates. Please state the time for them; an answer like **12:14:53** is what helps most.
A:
**7:44:47**
